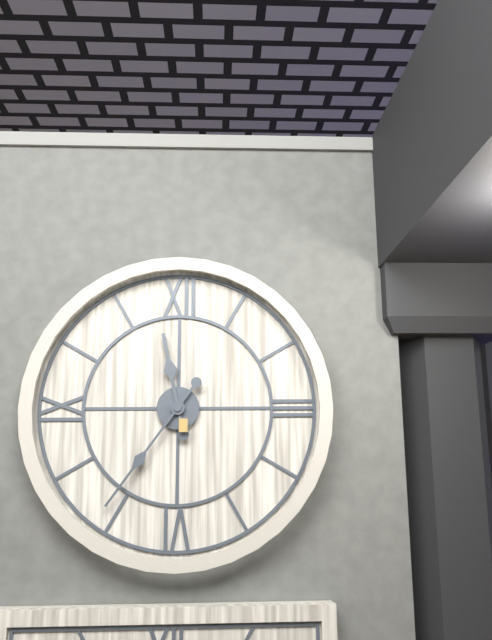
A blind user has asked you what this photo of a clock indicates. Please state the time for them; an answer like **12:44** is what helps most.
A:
**11:36**
